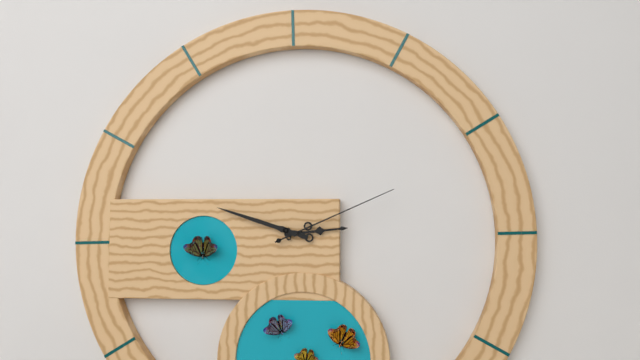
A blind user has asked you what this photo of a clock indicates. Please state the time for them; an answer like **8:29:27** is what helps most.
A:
**2:48:11**
